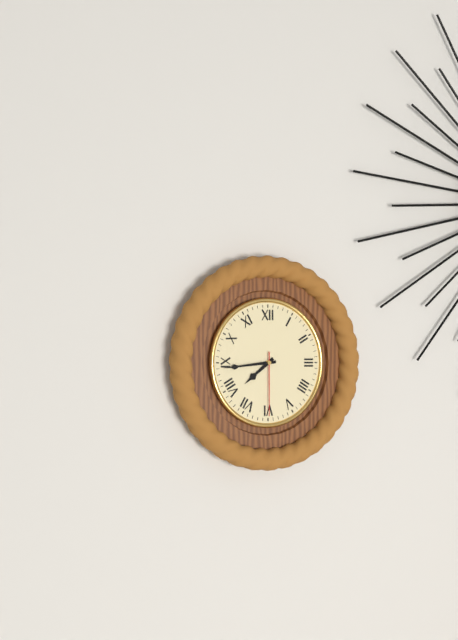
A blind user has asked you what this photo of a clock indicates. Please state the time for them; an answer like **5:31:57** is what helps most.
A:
**7:44:30**
